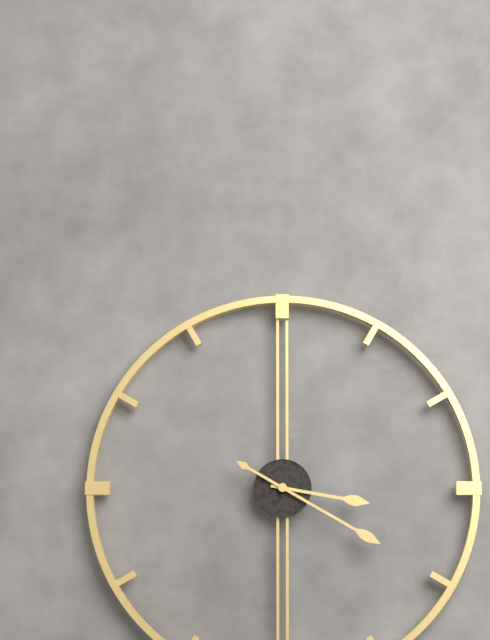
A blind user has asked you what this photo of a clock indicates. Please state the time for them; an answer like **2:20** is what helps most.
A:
**3:20**
